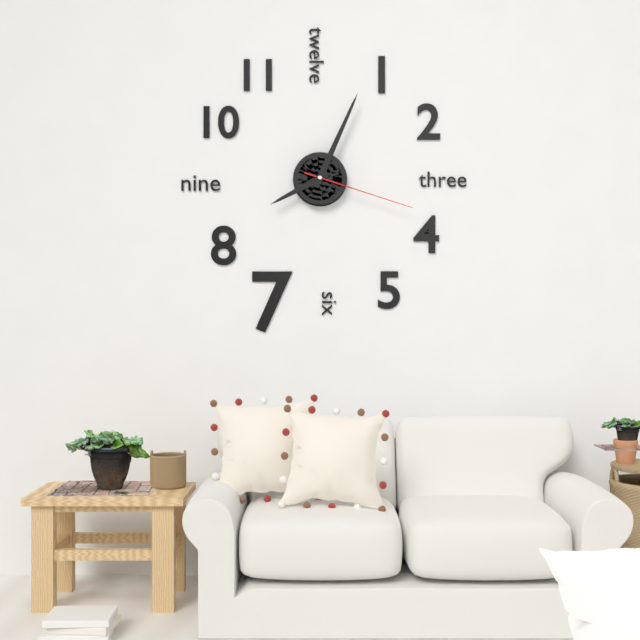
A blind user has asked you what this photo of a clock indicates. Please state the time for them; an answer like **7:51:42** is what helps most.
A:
**8:04:18**
